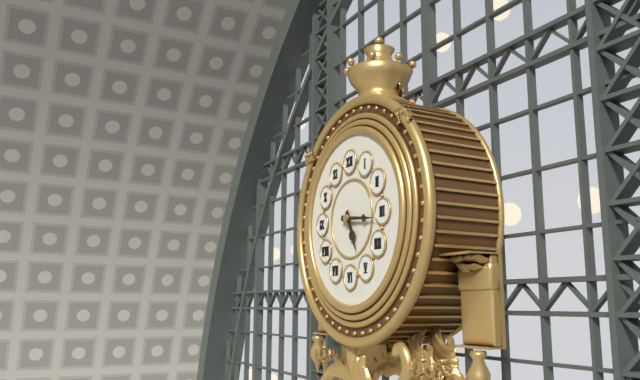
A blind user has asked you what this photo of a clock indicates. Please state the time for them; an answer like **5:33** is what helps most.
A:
**5:16**
